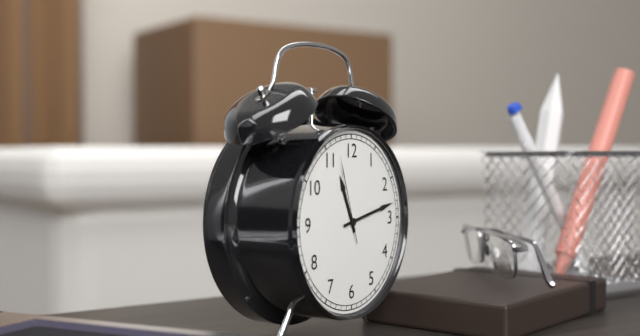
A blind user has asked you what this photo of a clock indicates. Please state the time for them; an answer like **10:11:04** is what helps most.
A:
**11:13:57**
